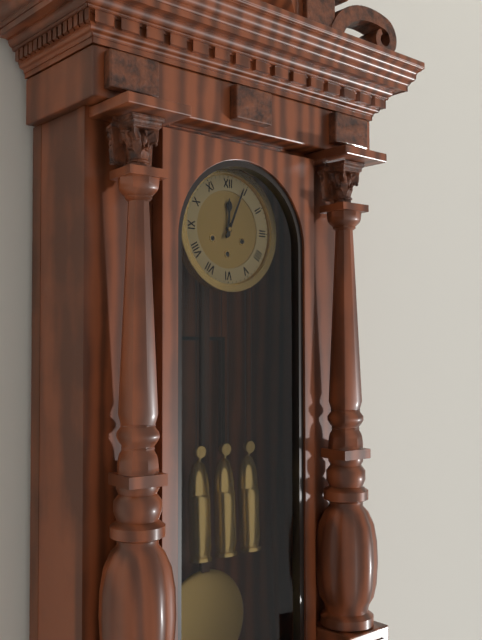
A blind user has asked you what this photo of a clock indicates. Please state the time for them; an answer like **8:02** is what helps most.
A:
**12:04**
